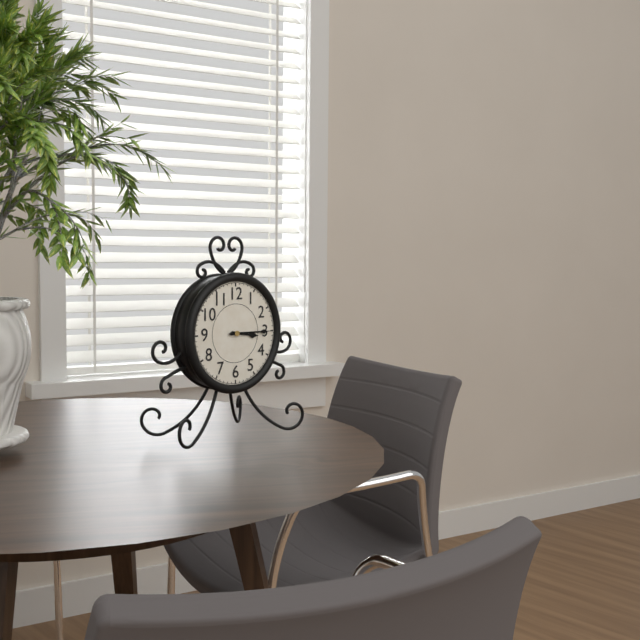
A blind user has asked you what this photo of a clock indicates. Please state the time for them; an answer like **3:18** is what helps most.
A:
**3:15**
